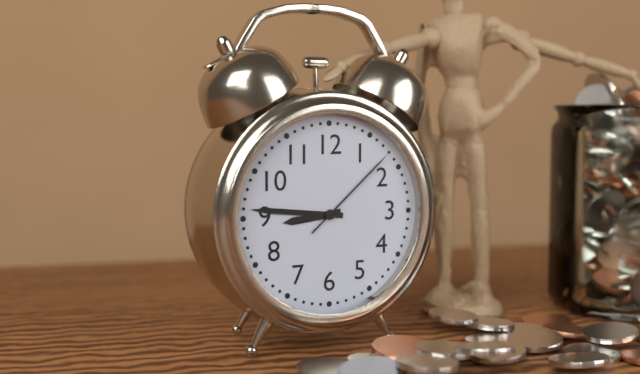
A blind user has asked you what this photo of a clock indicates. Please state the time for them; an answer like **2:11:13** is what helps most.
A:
**8:46:08**
